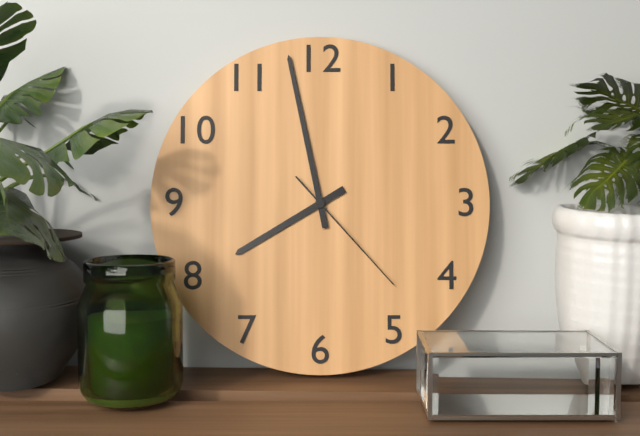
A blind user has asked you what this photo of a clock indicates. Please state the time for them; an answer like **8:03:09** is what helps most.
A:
**7:58:23**
